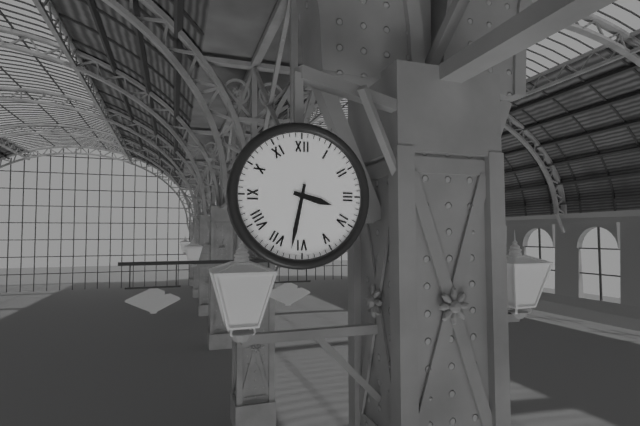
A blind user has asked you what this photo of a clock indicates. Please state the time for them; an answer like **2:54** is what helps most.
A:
**3:32**
